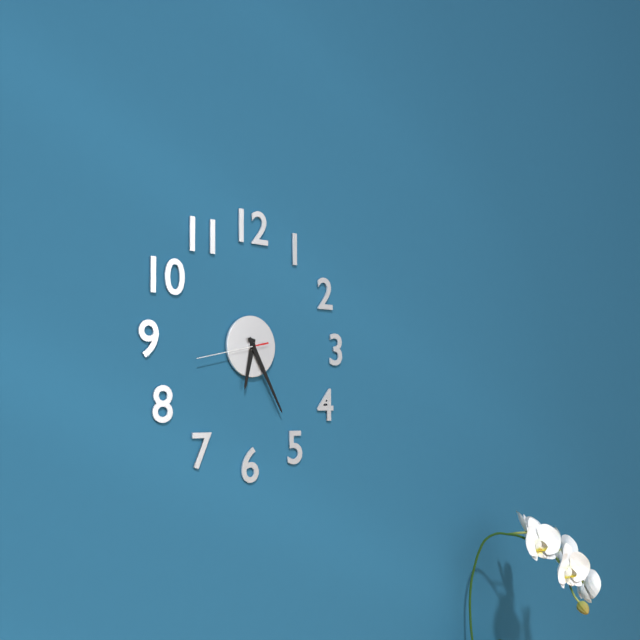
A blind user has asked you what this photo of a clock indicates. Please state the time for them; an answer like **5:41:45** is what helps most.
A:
**6:25:43**
